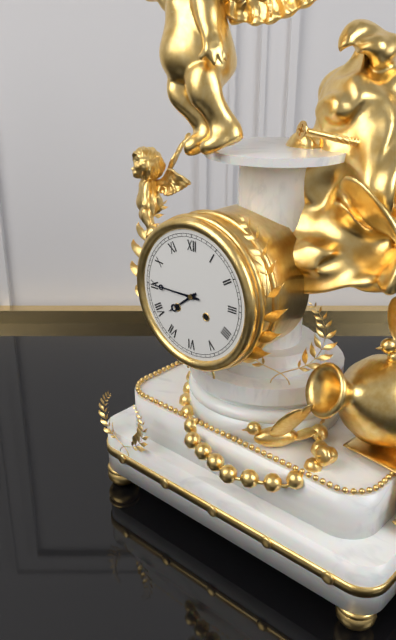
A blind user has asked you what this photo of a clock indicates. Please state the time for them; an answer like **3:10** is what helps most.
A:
**7:45**
